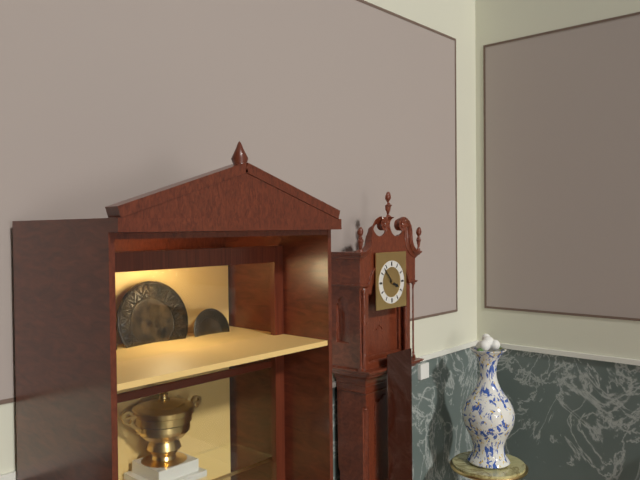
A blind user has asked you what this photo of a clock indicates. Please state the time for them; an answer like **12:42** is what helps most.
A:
**3:53**
